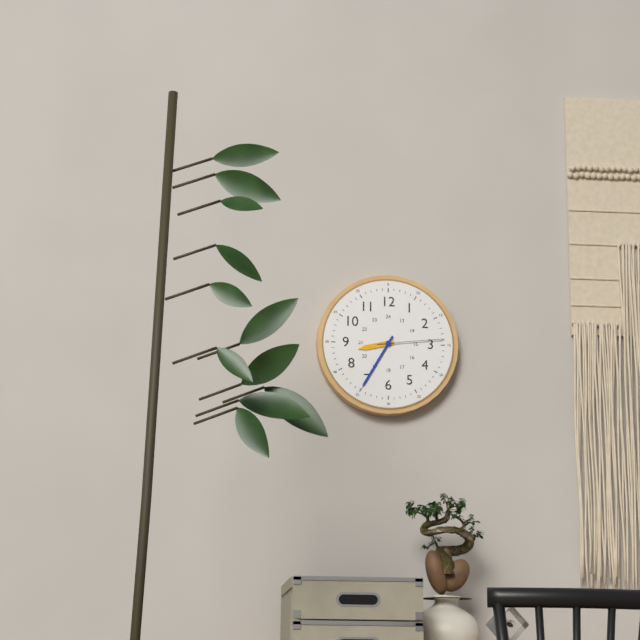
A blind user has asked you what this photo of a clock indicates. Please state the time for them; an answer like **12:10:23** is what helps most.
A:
**8:35:14**
